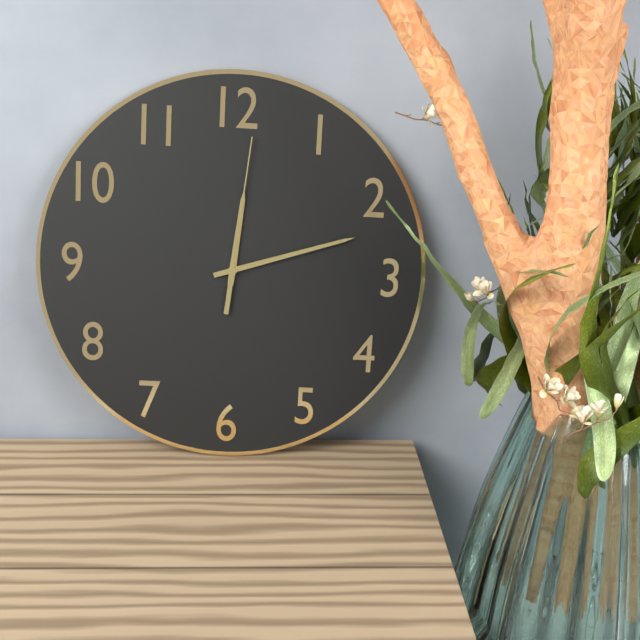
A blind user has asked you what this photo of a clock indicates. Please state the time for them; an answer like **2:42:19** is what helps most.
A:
**12:12:01**
